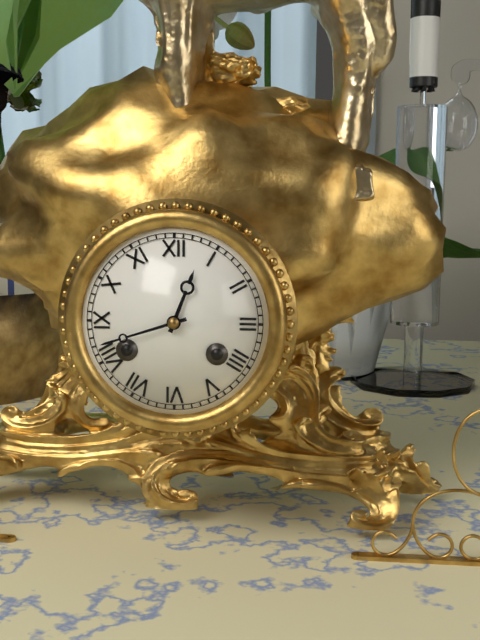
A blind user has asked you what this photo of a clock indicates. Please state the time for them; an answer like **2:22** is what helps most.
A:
**12:42**
